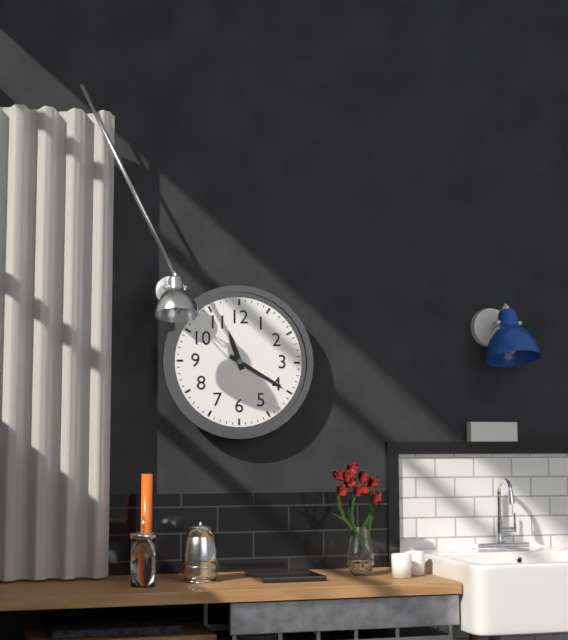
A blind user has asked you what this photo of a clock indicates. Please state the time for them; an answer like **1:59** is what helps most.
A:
**11:20**
